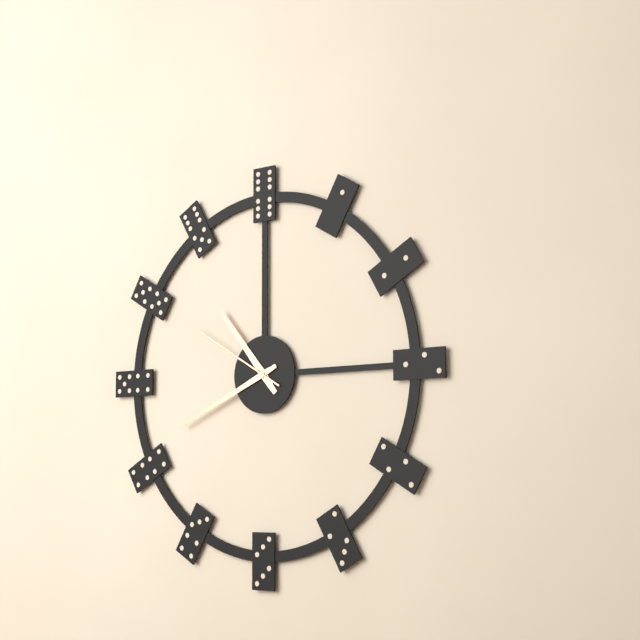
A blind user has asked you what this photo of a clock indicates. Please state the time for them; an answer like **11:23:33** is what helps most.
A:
**10:41:50**
